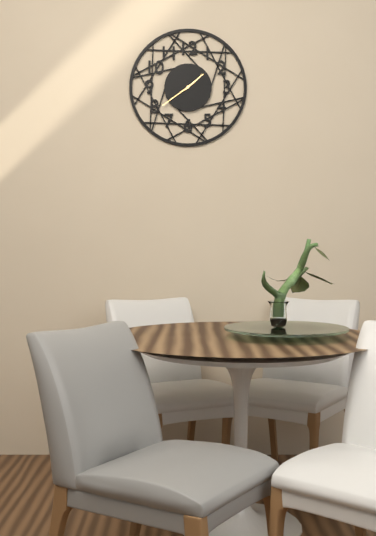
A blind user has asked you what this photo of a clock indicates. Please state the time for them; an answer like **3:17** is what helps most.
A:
**1:39**
